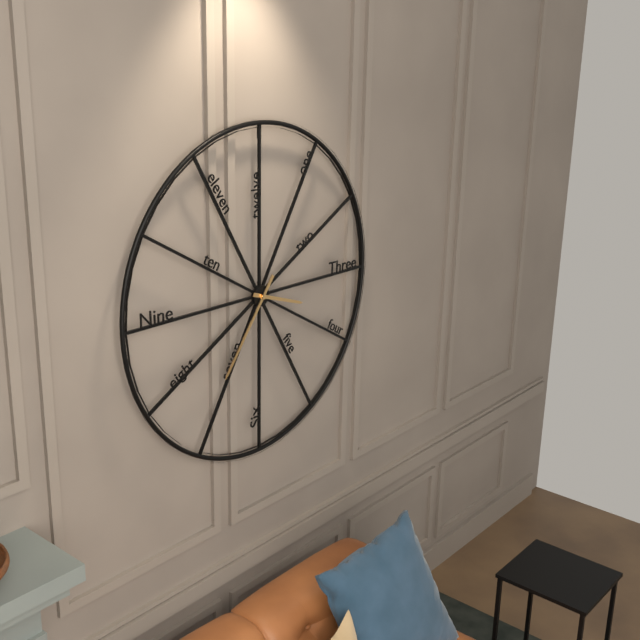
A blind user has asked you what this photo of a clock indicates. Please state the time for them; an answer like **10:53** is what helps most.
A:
**3:36**
